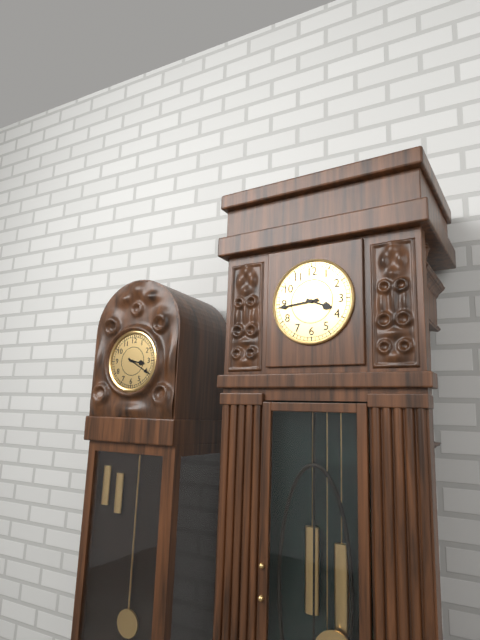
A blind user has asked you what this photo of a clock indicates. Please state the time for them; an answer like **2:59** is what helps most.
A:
**3:44**
